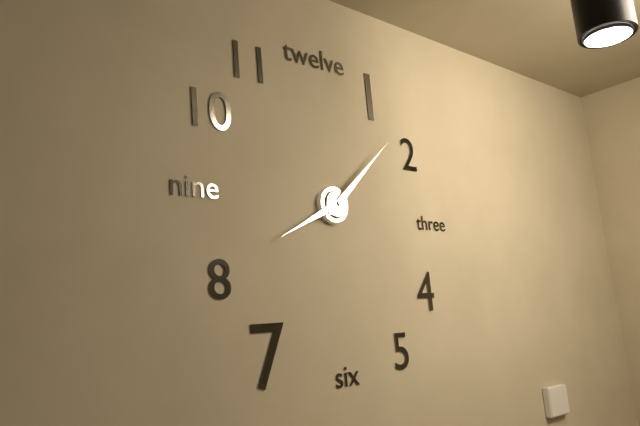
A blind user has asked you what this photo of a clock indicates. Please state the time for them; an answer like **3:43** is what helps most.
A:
**8:08**
